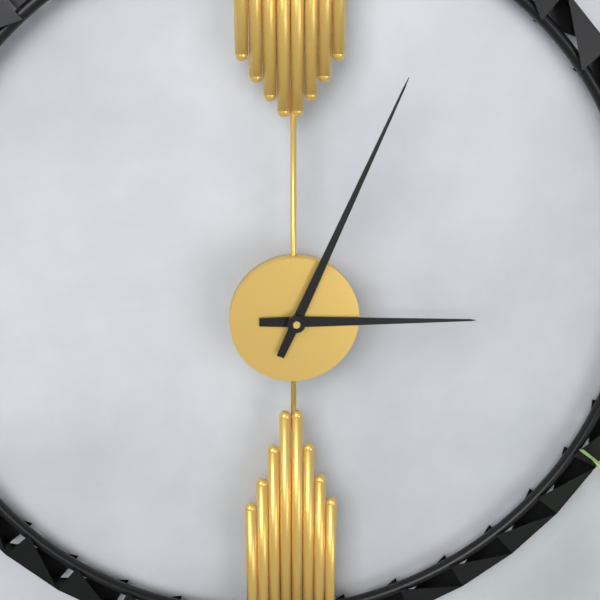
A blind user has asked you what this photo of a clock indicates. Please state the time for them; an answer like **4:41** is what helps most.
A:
**3:04**
